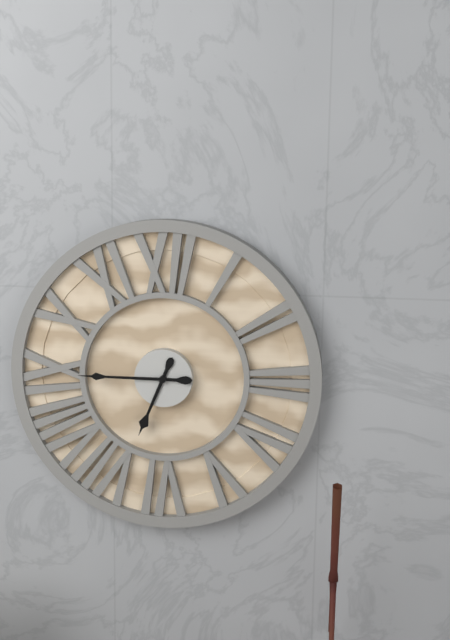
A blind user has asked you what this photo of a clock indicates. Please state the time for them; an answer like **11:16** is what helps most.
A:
**6:45**
